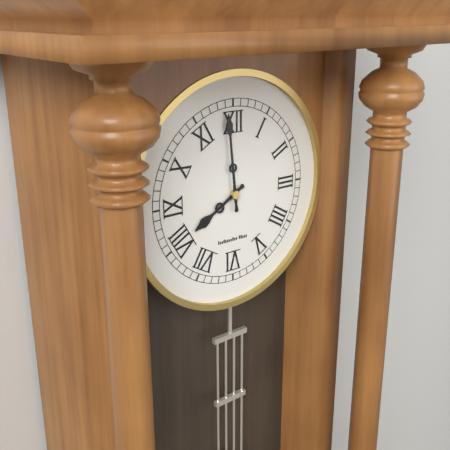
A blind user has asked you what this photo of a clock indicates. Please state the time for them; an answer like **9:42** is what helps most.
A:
**7:59**
